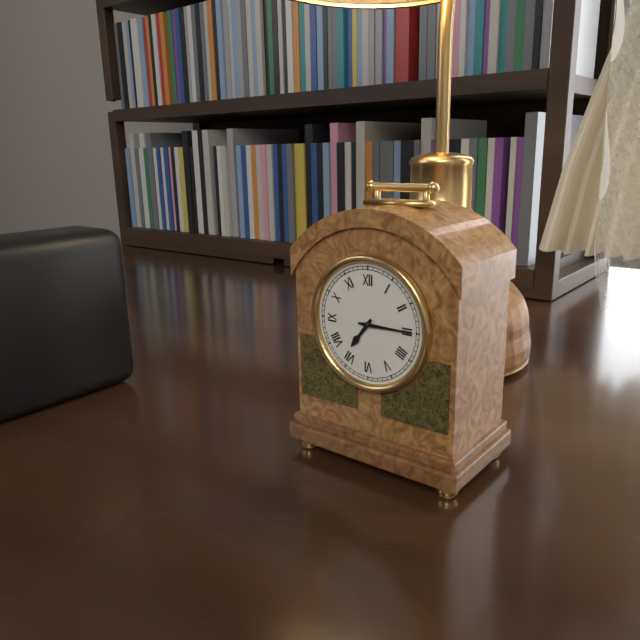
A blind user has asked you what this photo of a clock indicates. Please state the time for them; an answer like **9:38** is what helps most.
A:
**7:15**
